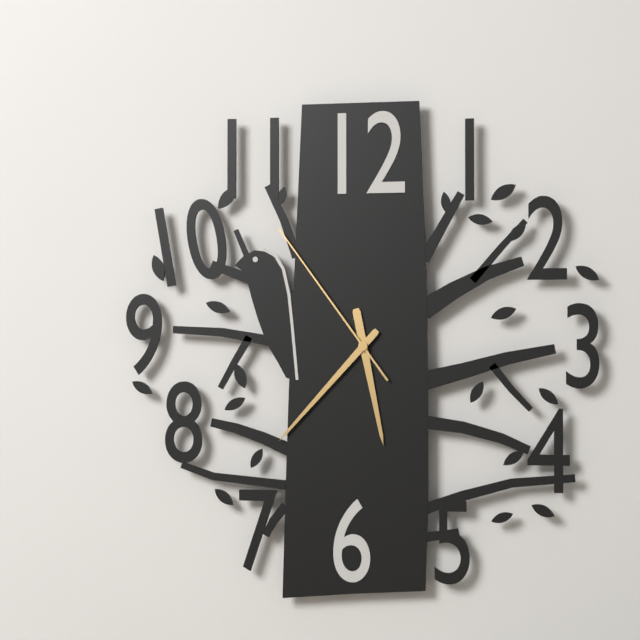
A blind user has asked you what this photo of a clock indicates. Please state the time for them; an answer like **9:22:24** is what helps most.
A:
**5:37:54**
